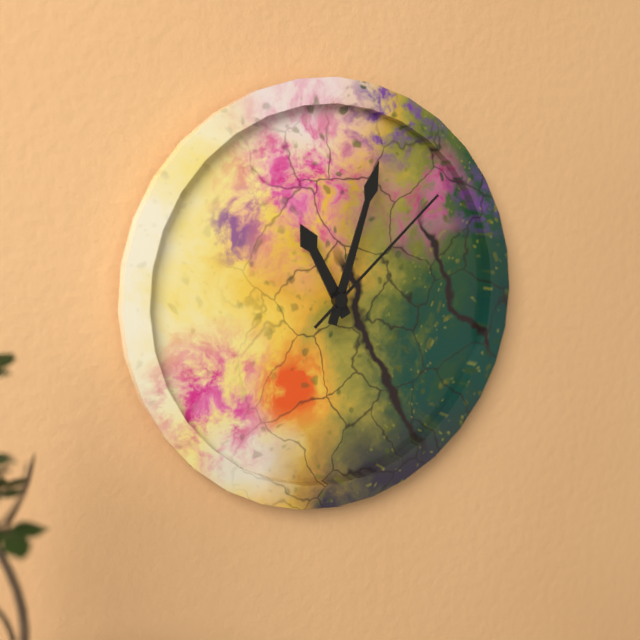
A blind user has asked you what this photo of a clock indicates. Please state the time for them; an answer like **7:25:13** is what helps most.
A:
**11:03:08**
